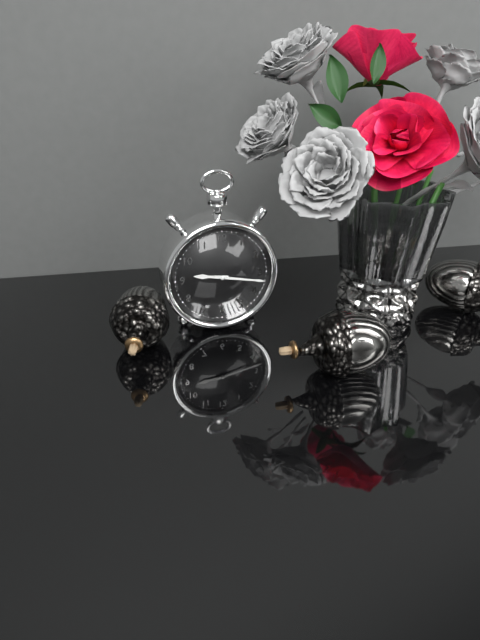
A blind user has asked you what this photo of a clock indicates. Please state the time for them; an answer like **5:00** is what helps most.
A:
**9:17**
